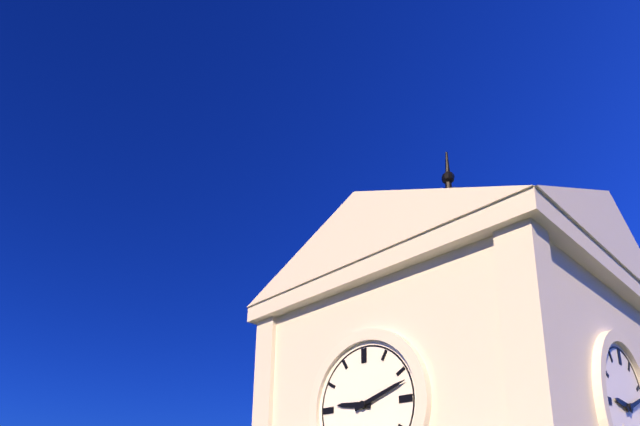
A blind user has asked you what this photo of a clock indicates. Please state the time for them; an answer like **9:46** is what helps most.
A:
**9:12**
